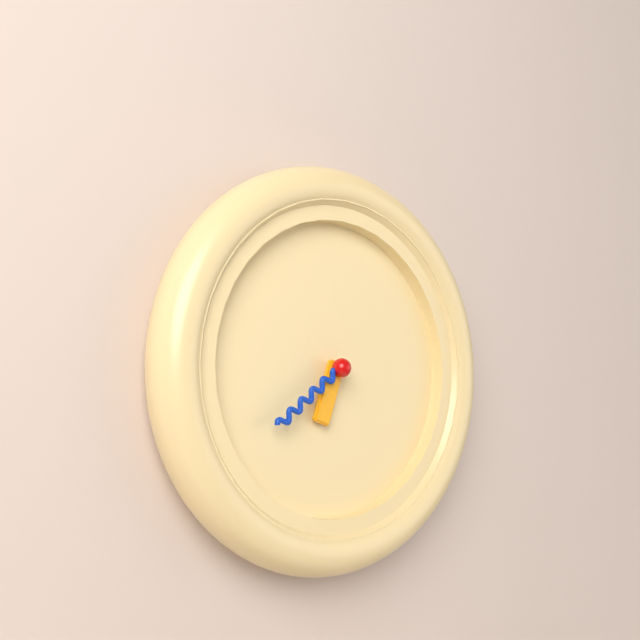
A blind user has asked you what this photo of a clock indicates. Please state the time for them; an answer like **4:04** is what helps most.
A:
**6:39**
